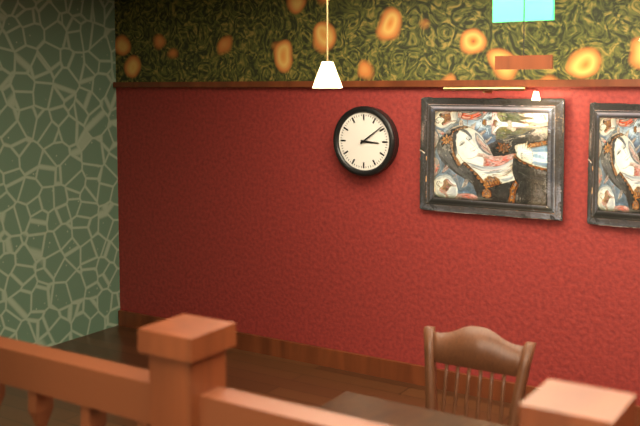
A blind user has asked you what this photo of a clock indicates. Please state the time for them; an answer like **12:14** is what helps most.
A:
**3:09**
